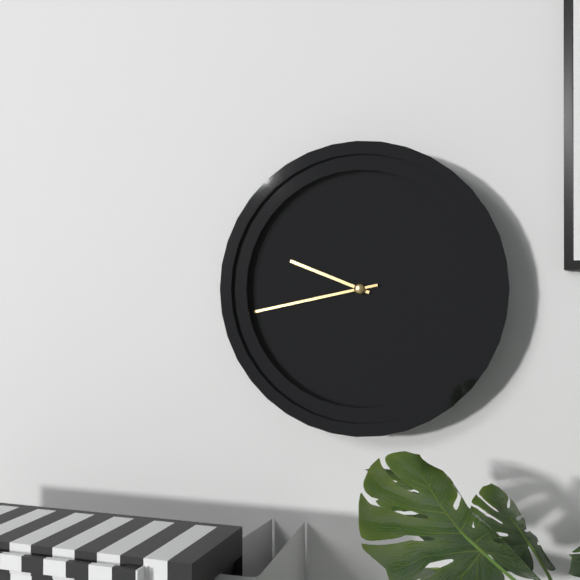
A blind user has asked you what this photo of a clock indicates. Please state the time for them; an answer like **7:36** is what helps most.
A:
**9:43**
